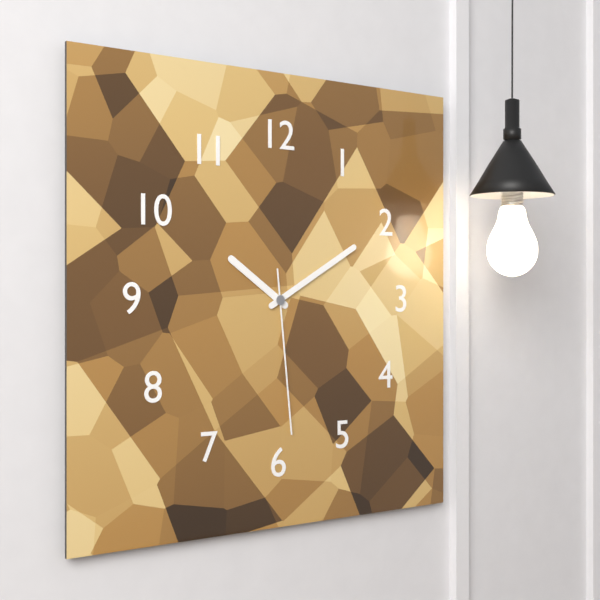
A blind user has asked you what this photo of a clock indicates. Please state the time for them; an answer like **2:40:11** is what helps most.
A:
**10:10:29**
